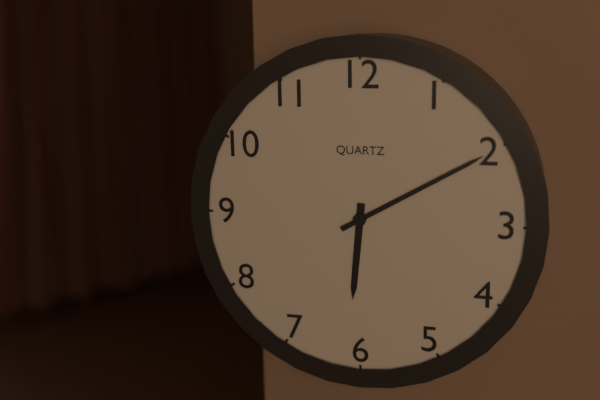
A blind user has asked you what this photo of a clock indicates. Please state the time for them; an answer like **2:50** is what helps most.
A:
**6:10**
